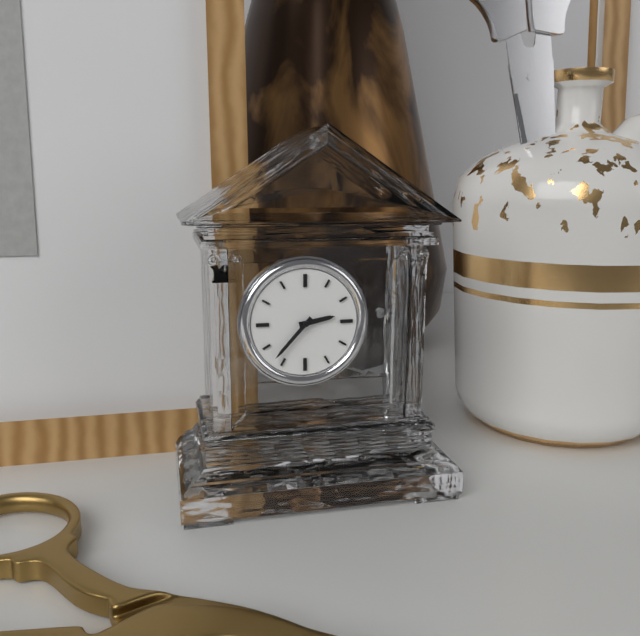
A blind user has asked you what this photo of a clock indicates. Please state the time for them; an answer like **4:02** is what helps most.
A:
**2:37**
